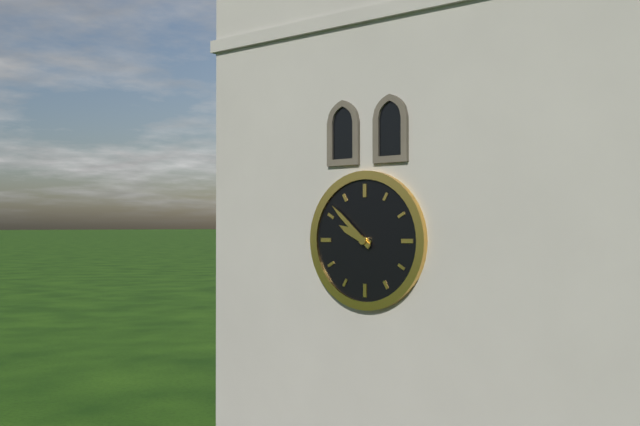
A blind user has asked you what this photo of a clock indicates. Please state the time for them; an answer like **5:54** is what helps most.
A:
**9:52**
